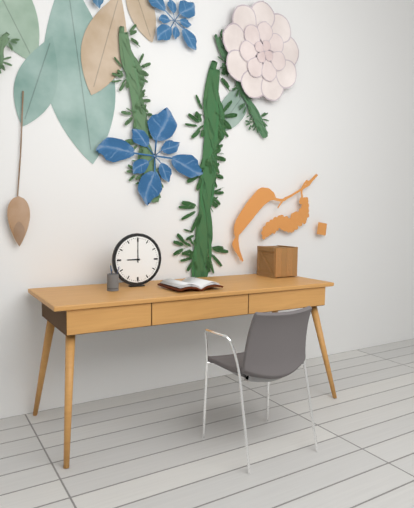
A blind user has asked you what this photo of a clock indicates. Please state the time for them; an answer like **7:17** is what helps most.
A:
**9:00**
